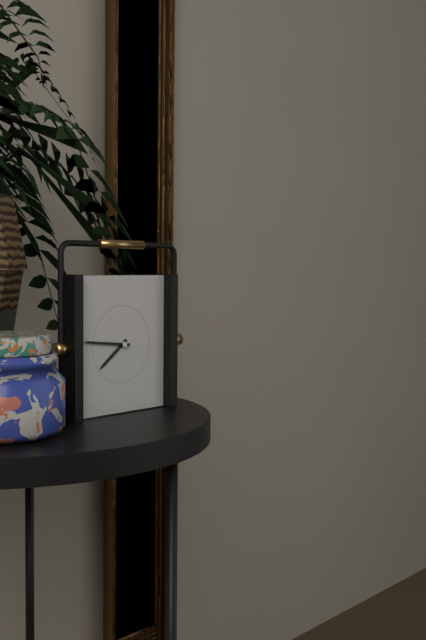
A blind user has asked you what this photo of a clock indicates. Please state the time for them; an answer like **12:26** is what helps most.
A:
**7:46**
